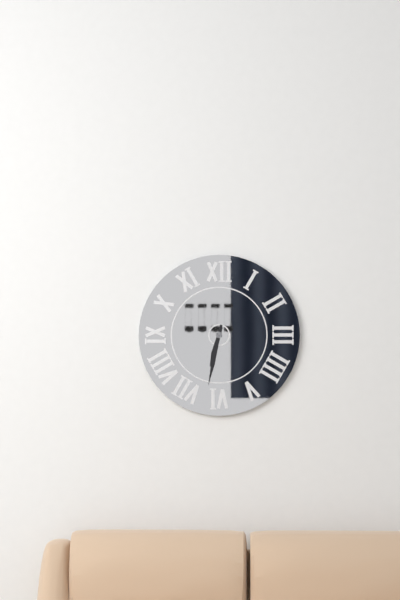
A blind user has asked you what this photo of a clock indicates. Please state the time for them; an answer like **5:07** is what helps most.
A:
**6:32**
